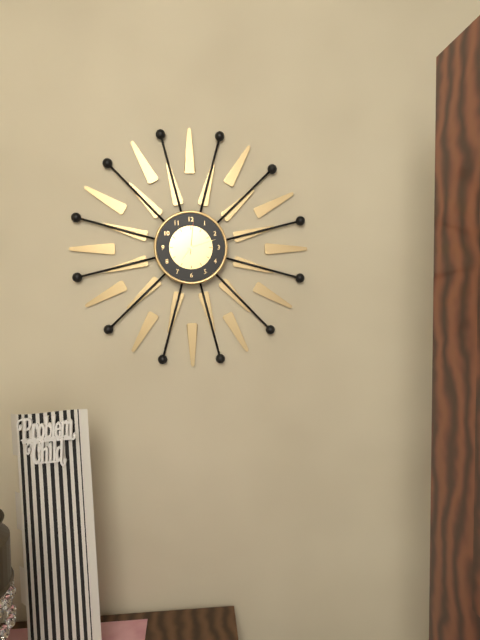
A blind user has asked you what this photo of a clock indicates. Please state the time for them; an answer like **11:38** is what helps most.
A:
**7:12**
